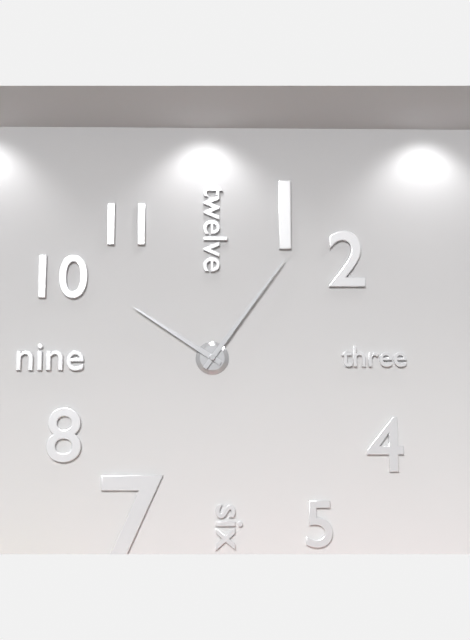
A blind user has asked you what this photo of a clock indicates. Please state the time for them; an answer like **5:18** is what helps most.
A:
**10:06**
